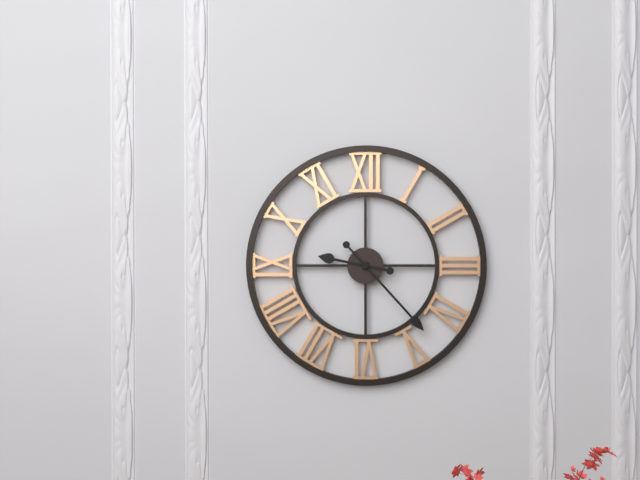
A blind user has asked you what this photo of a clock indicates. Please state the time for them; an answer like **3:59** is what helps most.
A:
**9:23**
